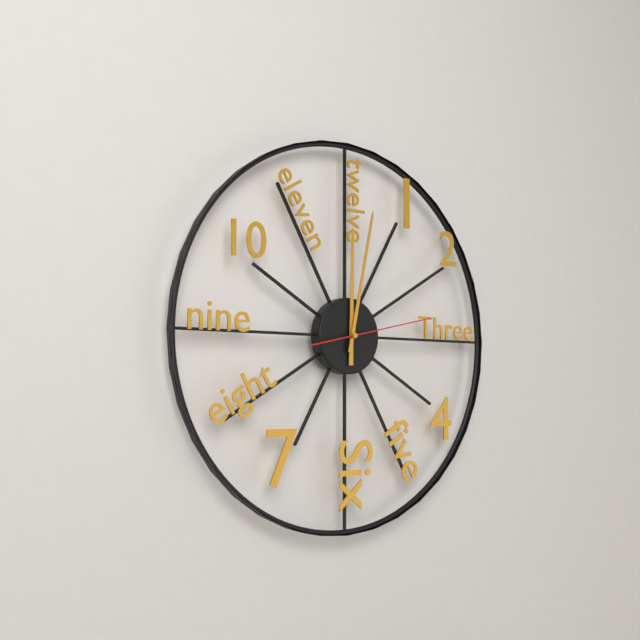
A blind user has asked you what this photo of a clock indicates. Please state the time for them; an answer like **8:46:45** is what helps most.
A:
**12:02:13**
